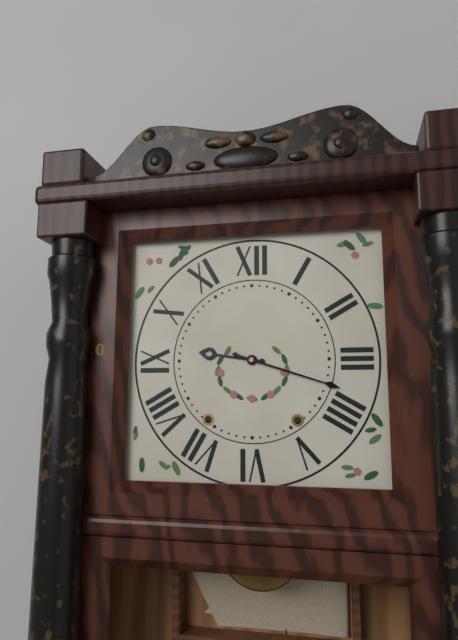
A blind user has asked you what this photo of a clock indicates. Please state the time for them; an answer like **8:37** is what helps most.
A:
**9:18**
